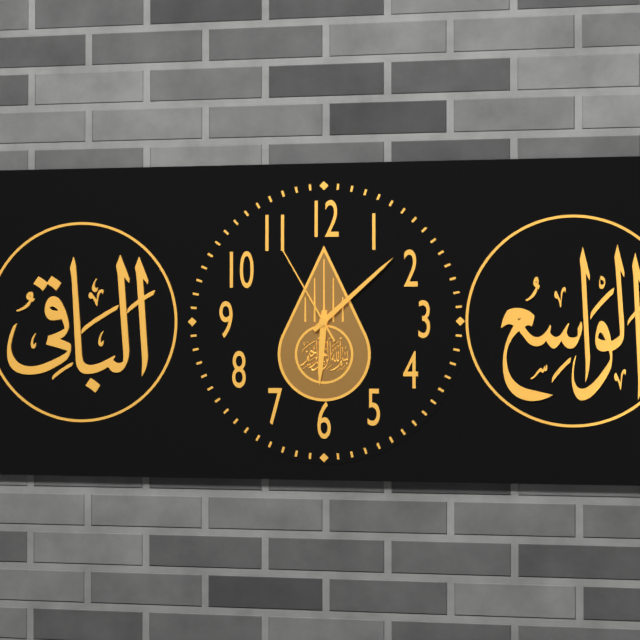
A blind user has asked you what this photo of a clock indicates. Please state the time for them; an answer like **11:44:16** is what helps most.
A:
**6:08:55**
